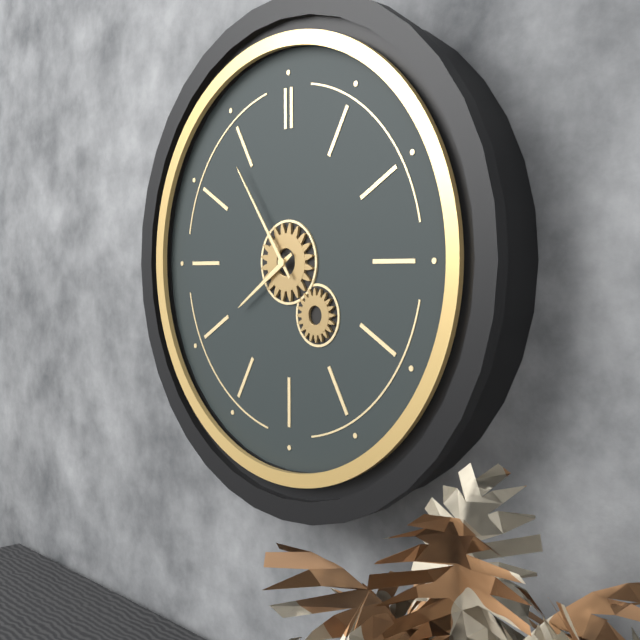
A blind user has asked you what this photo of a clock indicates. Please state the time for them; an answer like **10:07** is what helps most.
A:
**7:54**
